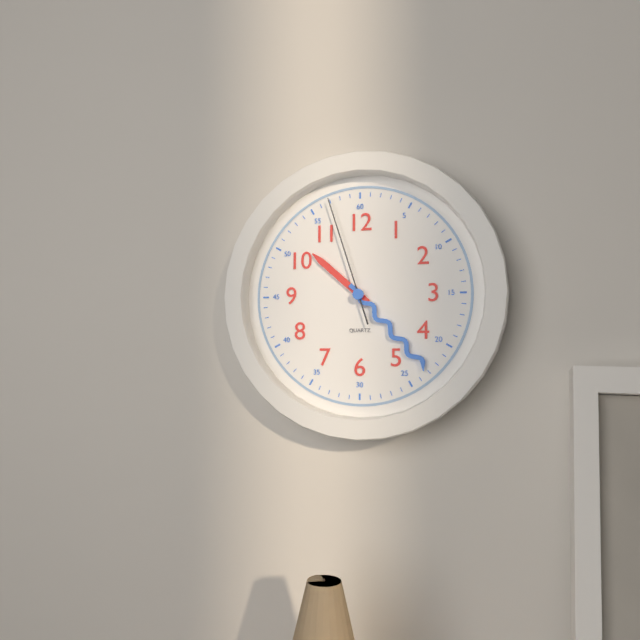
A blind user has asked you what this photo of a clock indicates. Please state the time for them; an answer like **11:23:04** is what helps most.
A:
**10:23:57**
